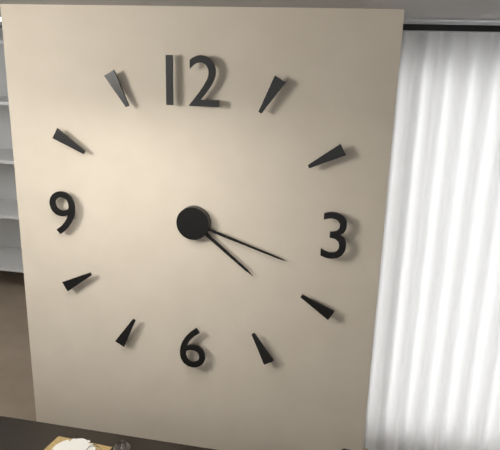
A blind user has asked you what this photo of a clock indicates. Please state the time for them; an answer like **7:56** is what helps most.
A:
**4:18**
